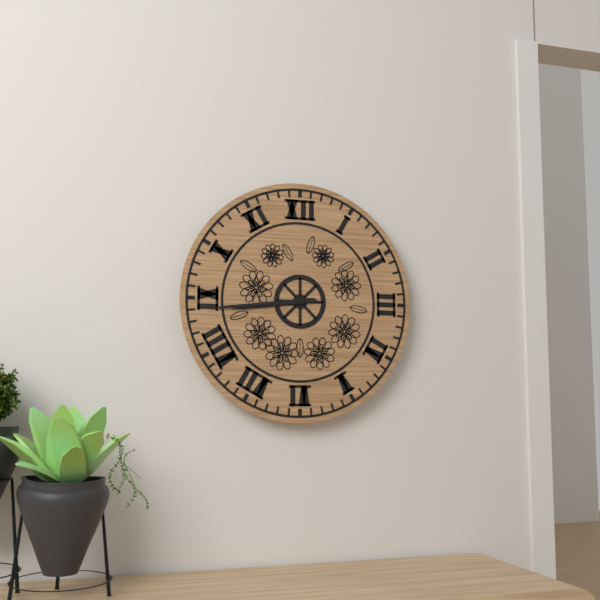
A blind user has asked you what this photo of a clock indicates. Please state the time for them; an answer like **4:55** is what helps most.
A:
**8:44**
